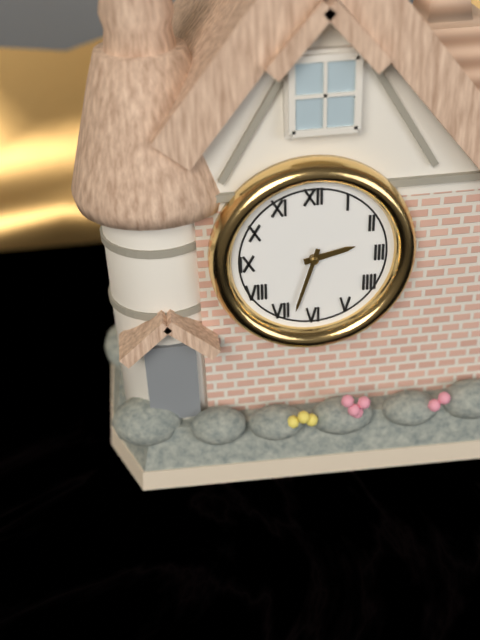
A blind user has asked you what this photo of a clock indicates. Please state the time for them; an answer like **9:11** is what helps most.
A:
**2:33**
